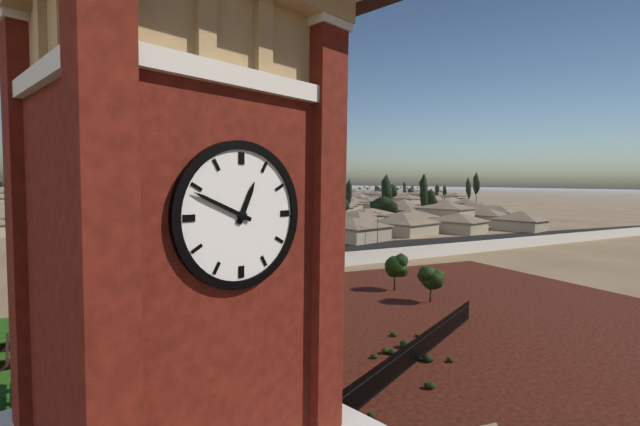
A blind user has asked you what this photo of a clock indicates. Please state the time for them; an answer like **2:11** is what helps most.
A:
**12:49**
